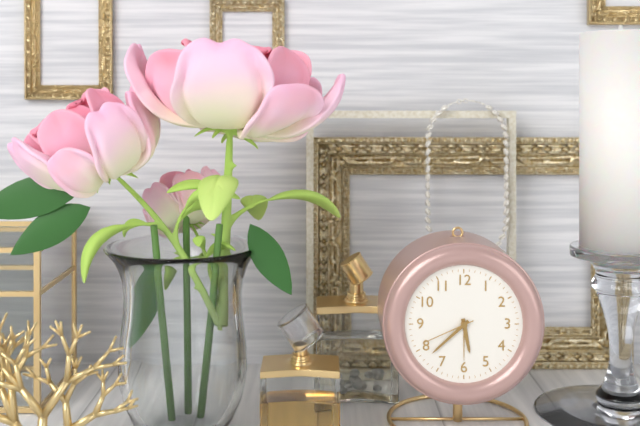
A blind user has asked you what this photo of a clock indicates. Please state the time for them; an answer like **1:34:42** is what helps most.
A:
**5:38:41**
